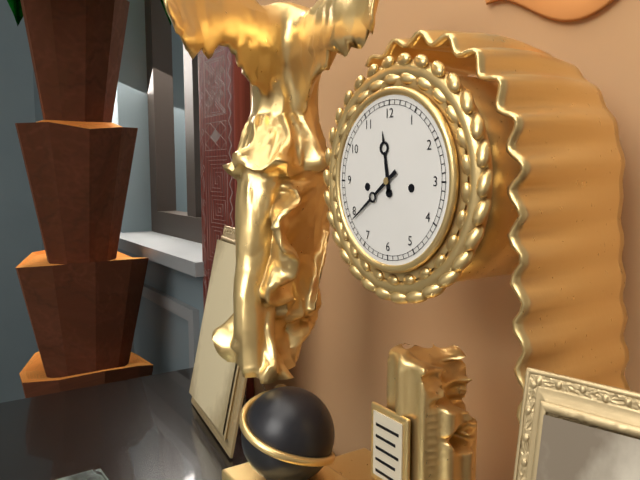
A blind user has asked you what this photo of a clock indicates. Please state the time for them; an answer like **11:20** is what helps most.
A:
**11:39**
